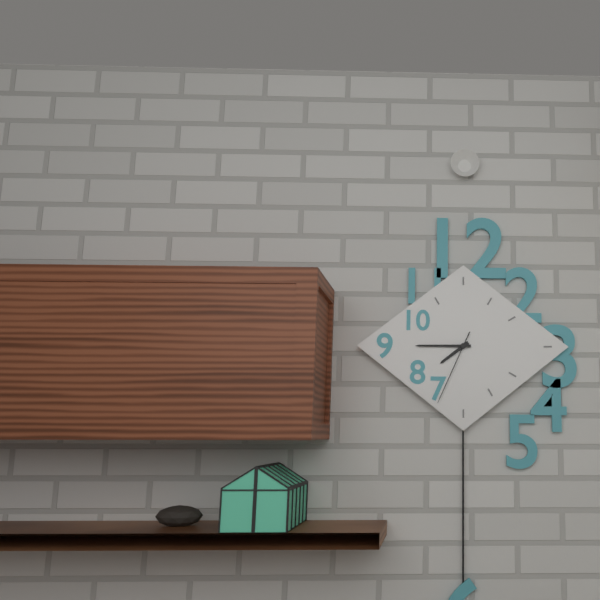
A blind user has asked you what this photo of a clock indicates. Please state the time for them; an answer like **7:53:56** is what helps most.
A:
**7:45:34**
